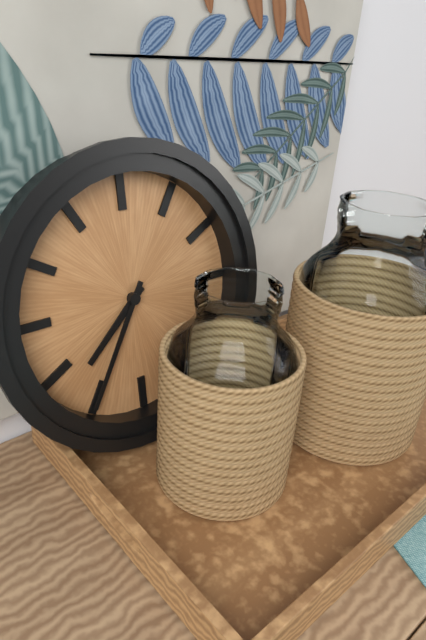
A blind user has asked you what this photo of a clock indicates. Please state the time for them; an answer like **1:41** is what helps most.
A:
**7:35**
